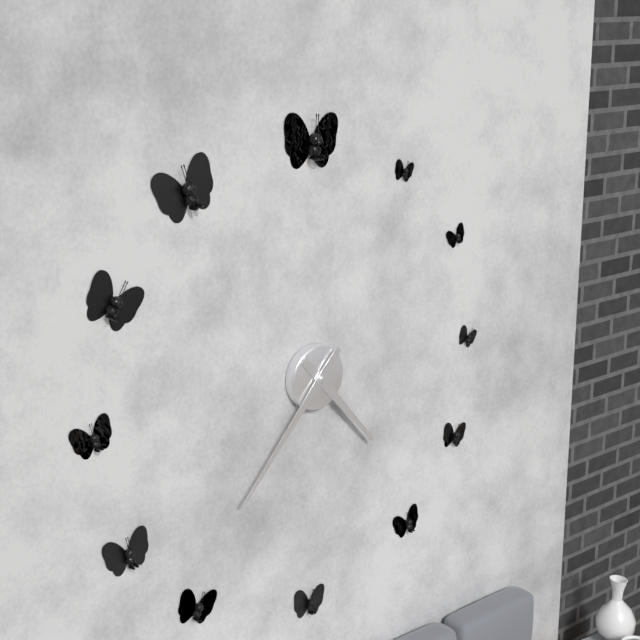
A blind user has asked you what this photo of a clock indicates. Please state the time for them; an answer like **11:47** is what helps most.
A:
**4:37**
